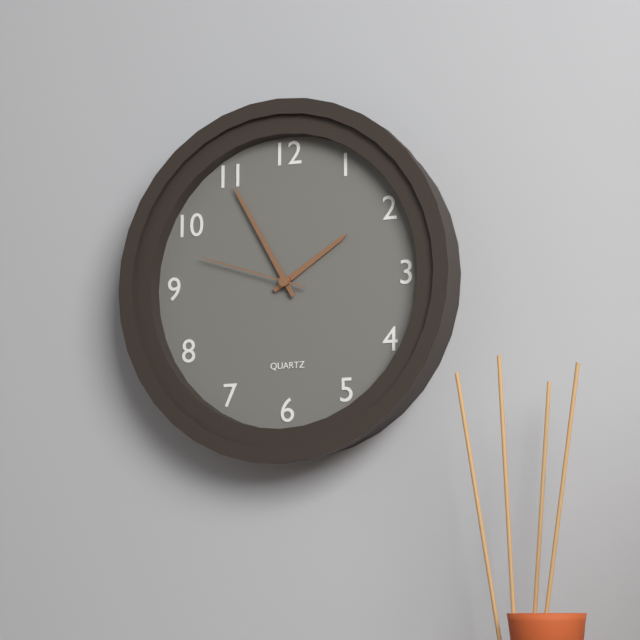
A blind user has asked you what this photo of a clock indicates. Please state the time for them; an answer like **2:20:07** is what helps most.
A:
**1:55:48**
